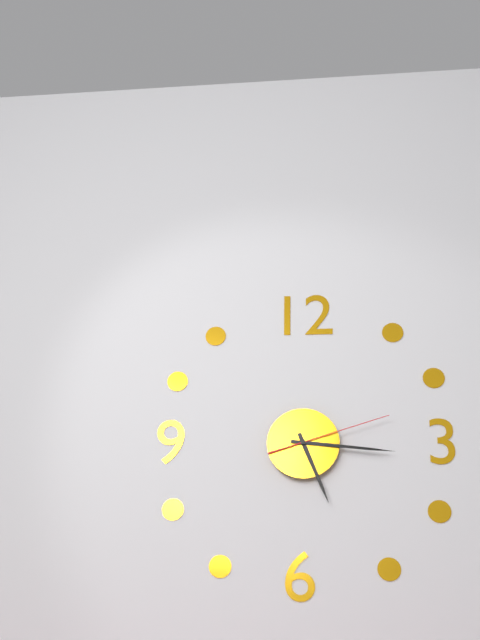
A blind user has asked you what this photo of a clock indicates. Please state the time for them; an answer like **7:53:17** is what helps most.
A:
**5:16:12**
